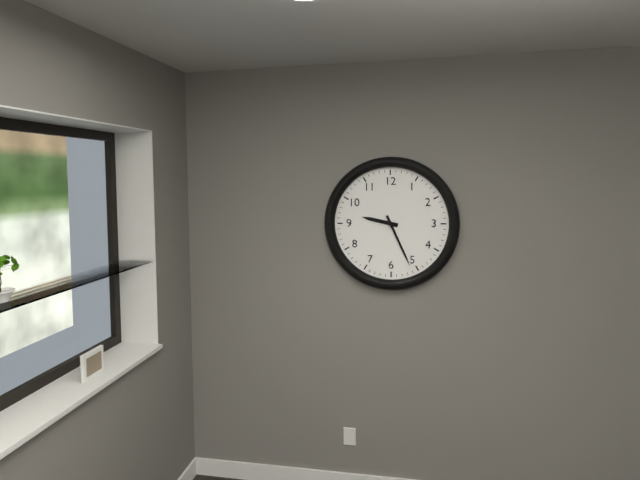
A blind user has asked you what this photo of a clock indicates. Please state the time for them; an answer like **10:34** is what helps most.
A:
**9:26**
